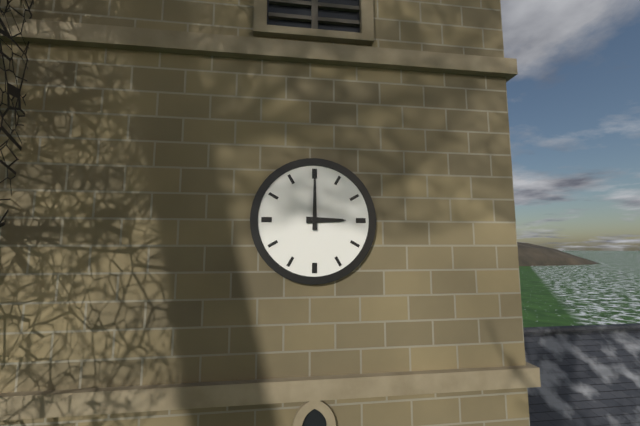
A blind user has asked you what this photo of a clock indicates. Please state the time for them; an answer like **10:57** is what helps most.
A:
**3:00**
